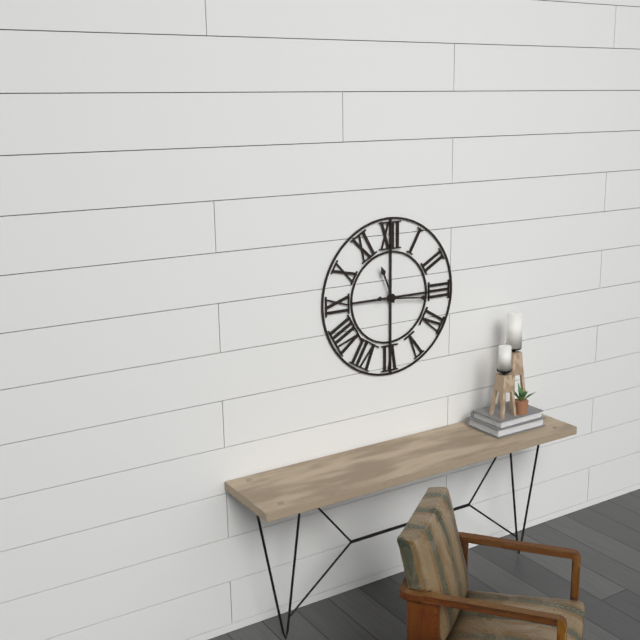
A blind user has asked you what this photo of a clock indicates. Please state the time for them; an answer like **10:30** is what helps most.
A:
**11:16**
